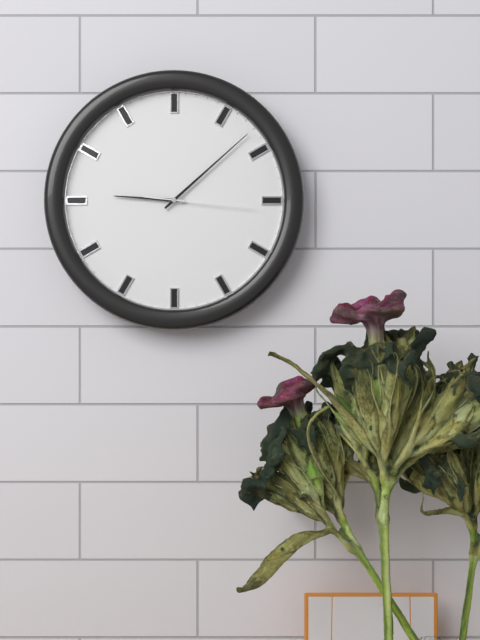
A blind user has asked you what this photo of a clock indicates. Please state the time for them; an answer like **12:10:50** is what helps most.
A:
**9:08:16**
